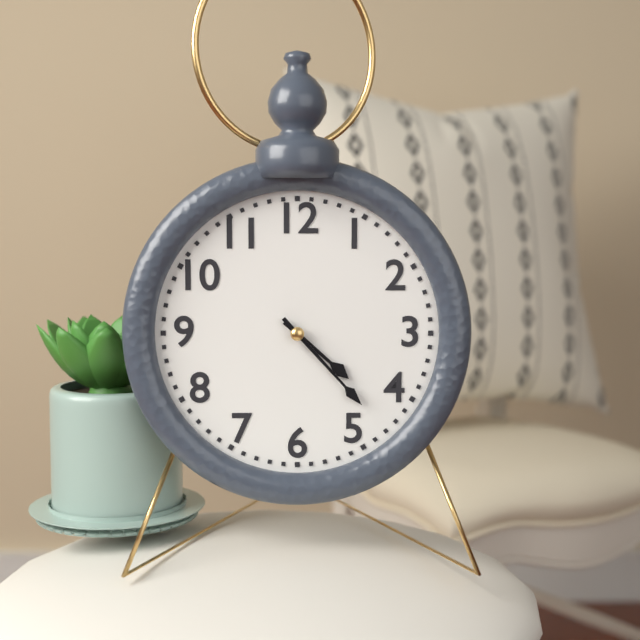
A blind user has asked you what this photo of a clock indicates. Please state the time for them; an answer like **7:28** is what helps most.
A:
**4:23**
